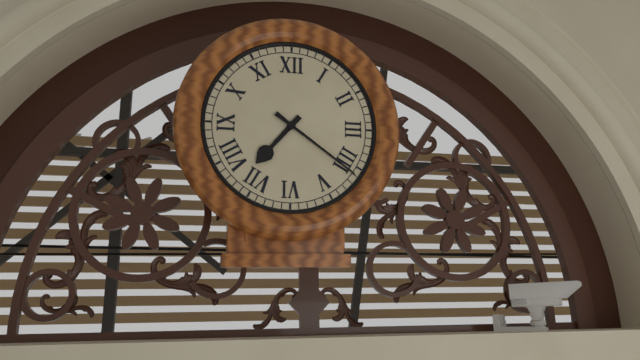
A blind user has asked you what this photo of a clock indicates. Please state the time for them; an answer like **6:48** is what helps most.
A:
**7:21**
